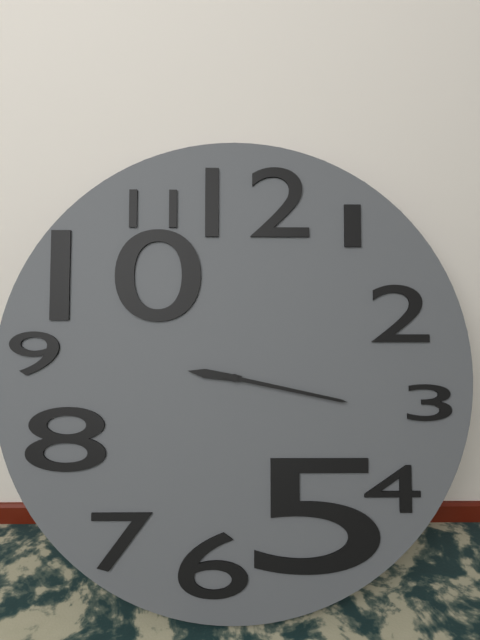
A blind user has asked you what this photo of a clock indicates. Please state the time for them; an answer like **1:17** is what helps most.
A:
**9:17**
